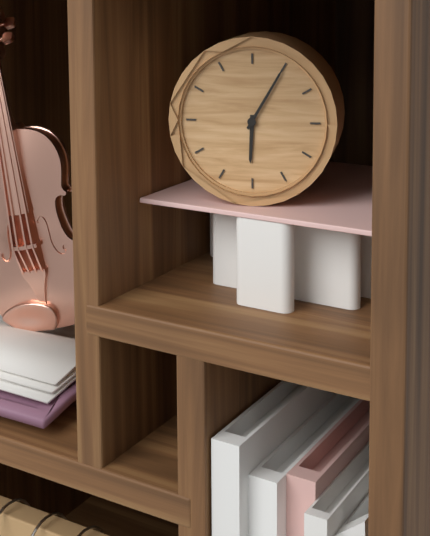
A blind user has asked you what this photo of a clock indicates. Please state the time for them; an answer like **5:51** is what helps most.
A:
**6:05**
